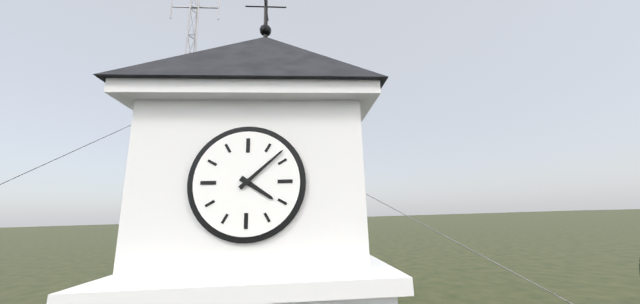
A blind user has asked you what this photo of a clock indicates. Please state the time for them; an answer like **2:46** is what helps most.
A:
**4:08**
